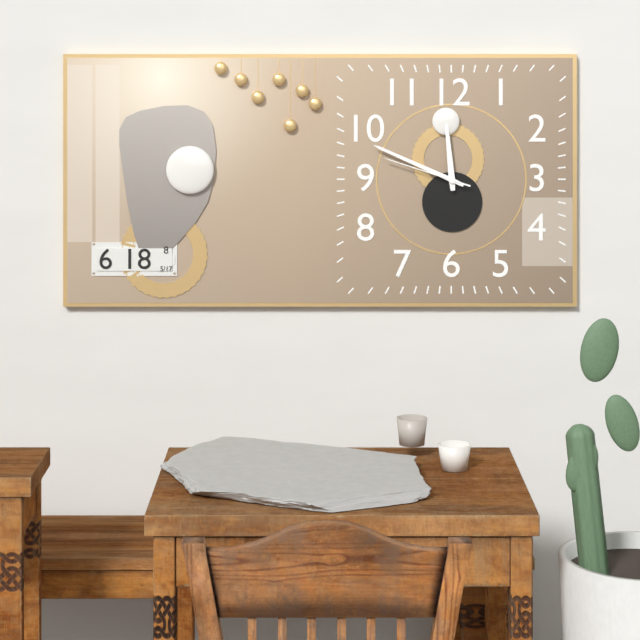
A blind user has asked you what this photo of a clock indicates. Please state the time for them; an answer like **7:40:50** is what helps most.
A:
**11:49:48**
